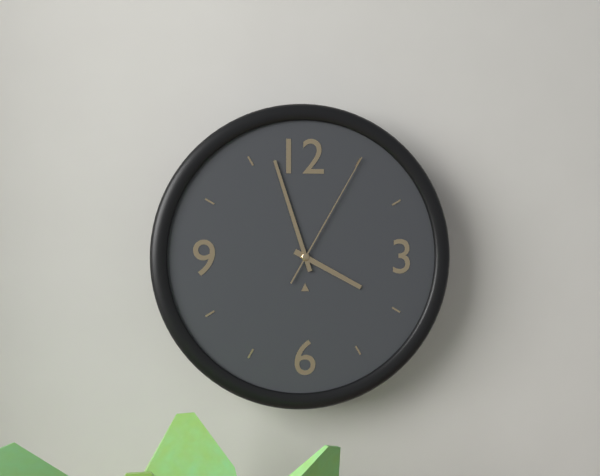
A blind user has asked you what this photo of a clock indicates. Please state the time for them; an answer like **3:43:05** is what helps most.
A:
**3:57:05**
